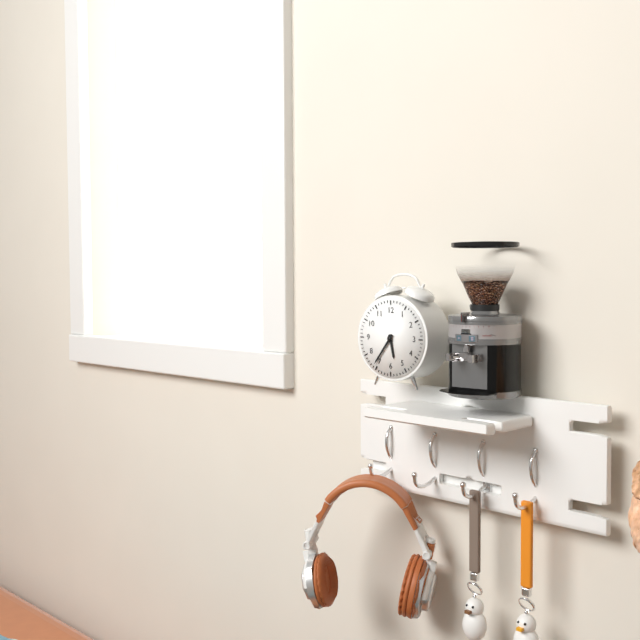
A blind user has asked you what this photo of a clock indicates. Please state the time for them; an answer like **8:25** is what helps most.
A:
**5:36**
